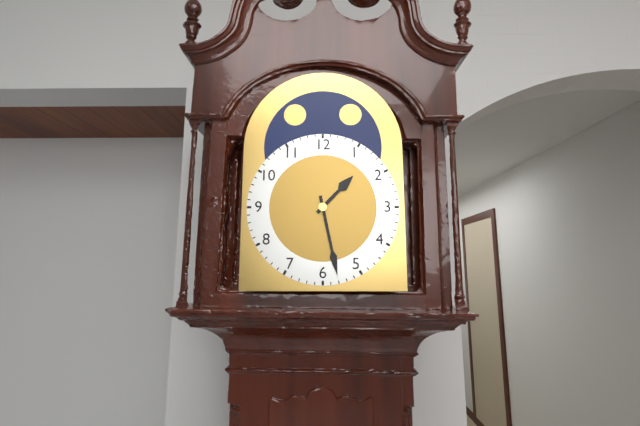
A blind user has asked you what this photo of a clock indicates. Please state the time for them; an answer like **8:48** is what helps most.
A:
**1:28**
